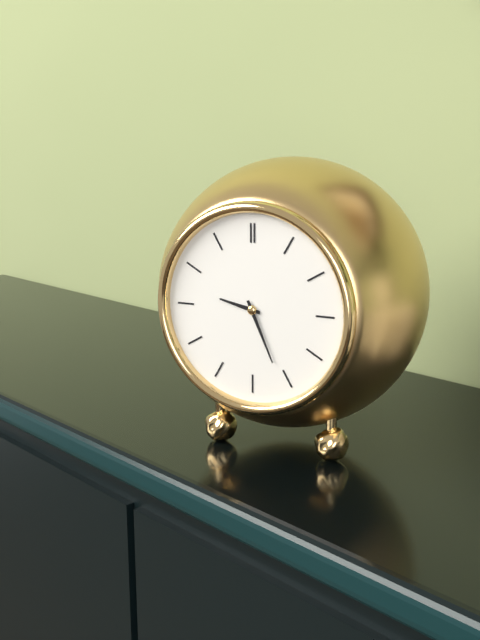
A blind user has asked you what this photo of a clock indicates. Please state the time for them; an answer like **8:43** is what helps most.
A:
**9:26**
